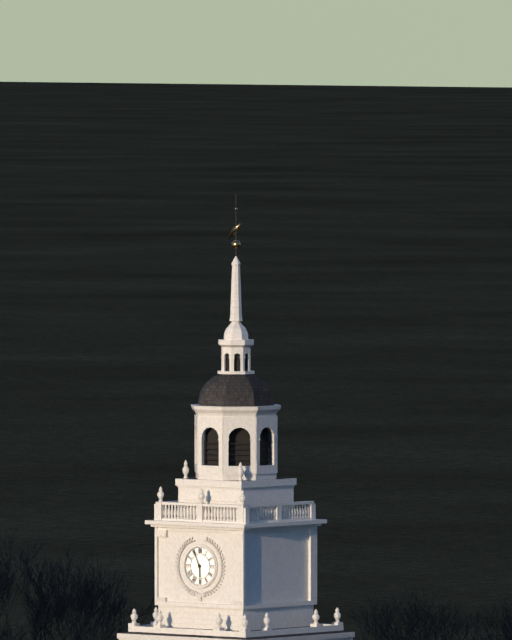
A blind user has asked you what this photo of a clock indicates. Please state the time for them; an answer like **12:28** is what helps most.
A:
**5:56**
